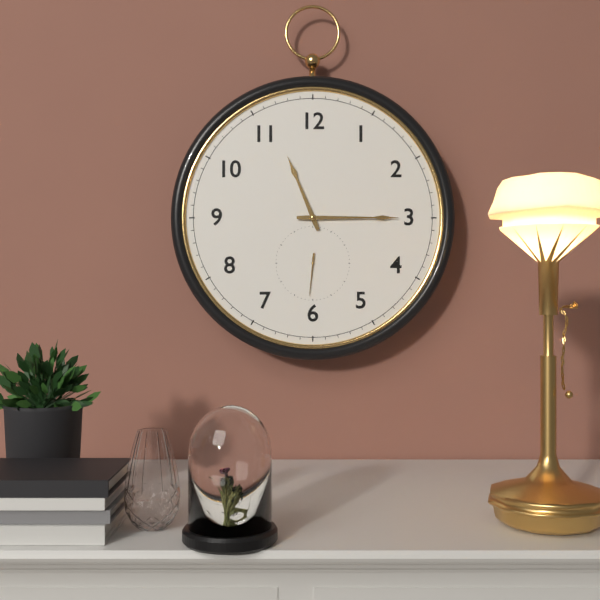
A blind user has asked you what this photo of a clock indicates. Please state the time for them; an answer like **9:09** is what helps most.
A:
**11:15**
